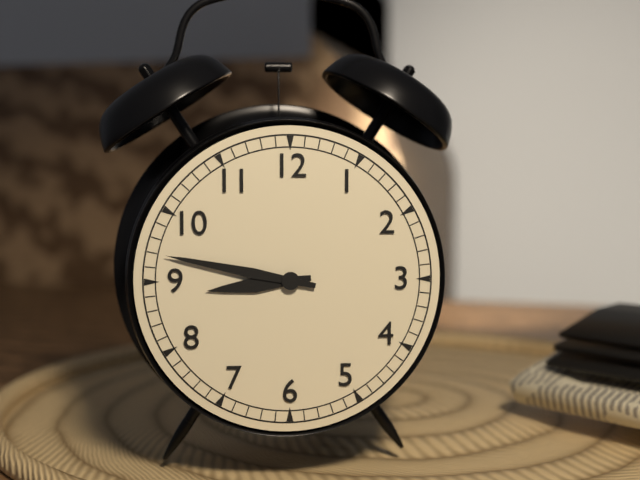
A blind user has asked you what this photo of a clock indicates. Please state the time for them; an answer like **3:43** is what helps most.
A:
**8:47**
